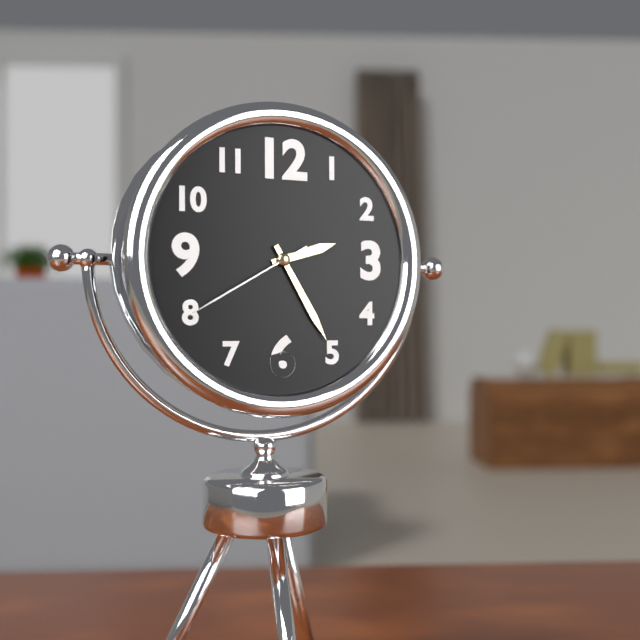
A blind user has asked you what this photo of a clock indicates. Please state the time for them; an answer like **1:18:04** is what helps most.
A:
**2:25:40**
